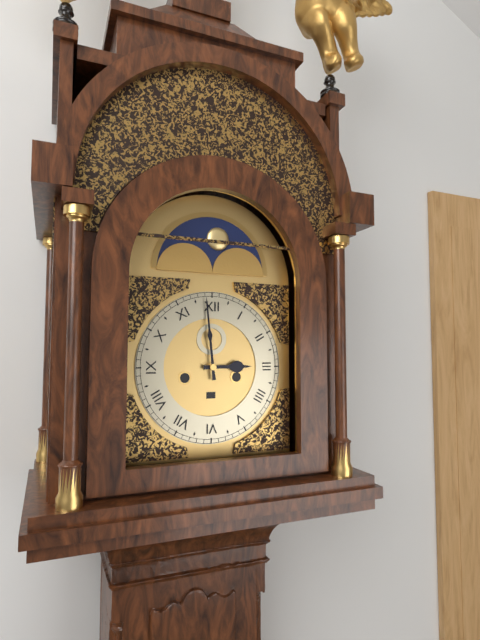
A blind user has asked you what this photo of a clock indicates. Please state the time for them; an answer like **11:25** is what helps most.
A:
**2:59**
